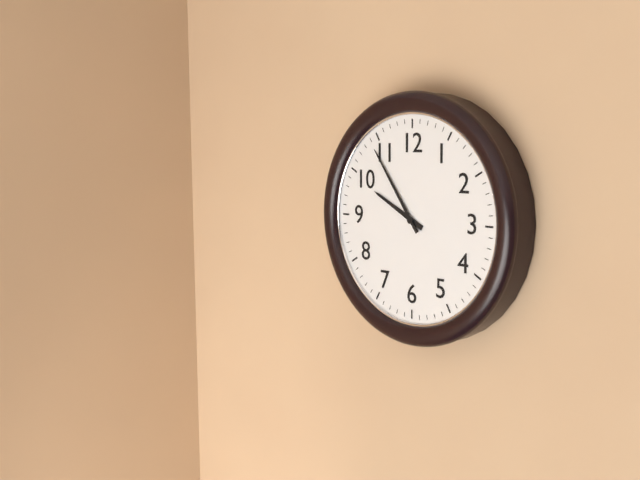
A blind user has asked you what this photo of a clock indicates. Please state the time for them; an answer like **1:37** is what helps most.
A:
**9:54**
